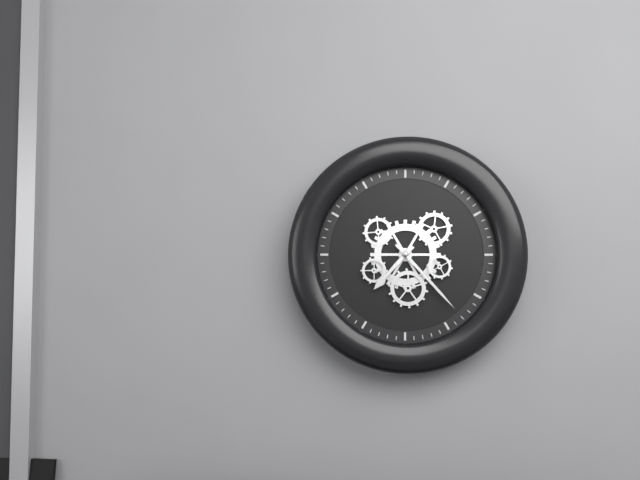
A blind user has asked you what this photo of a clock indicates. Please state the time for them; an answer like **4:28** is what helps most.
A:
**7:23**
